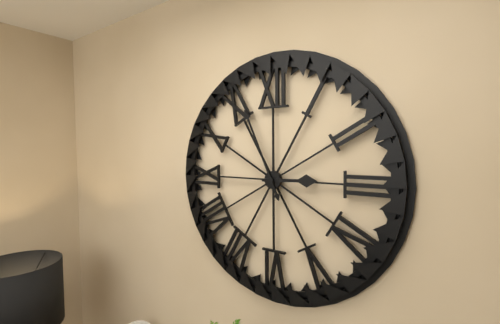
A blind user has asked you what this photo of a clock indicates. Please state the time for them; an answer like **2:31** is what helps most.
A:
**2:56**
